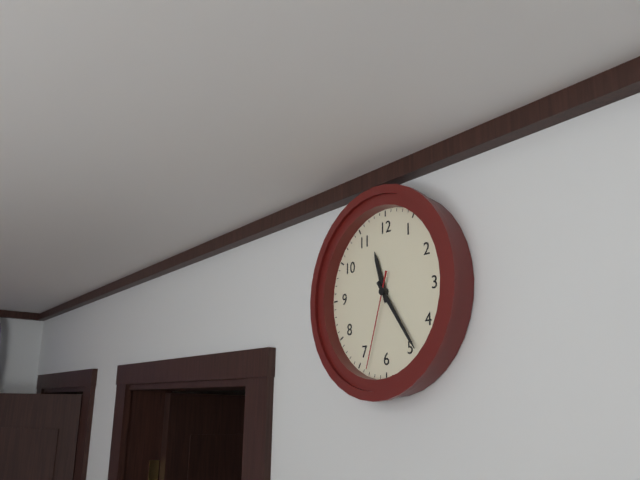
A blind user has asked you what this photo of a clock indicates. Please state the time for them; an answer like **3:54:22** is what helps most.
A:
**11:24:33**
